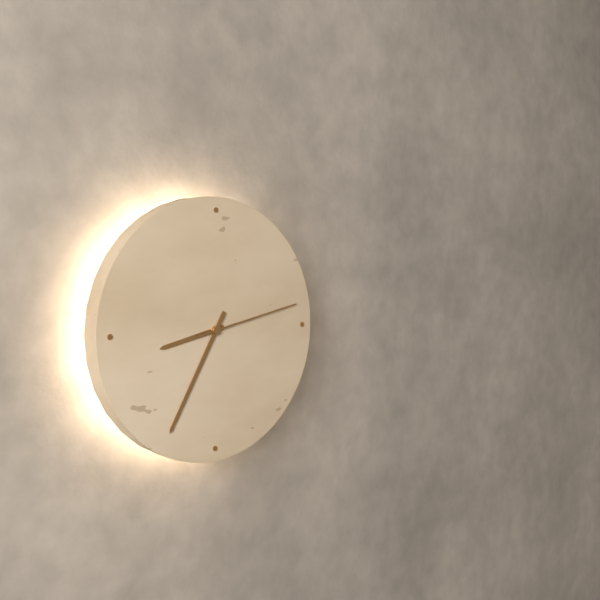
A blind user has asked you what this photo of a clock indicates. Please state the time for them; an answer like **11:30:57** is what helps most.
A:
**8:35:13**
